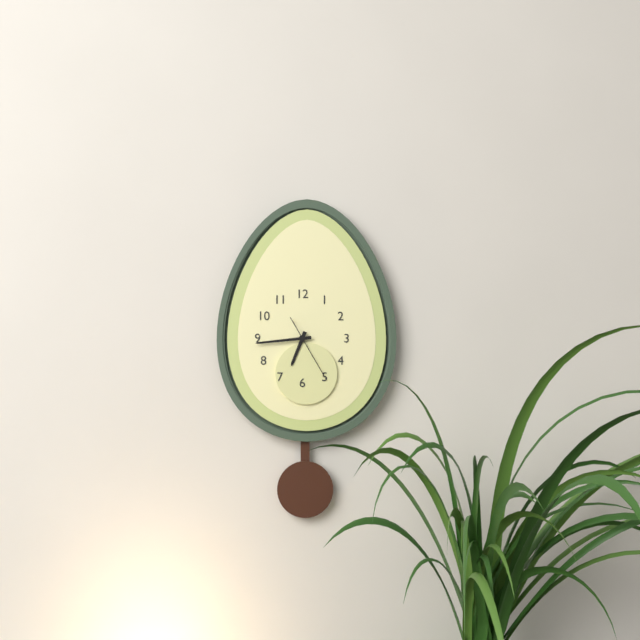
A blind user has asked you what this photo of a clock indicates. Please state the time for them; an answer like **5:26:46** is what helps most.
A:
**6:44:25**
